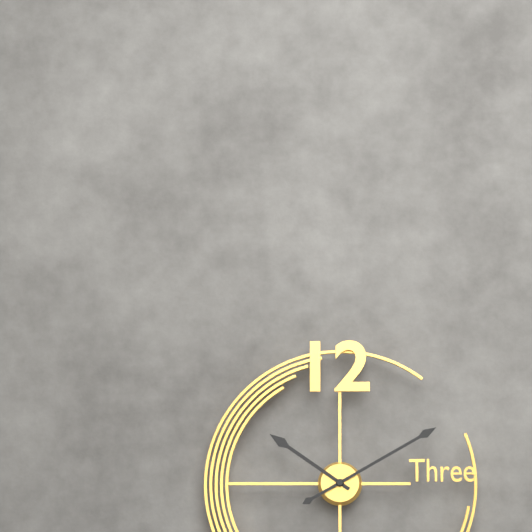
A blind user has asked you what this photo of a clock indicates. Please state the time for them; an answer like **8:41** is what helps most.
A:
**10:10**
